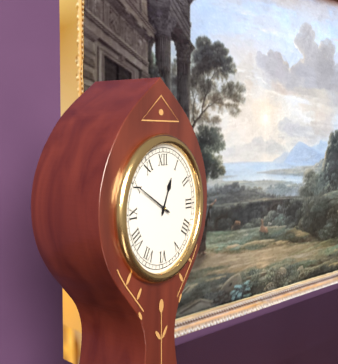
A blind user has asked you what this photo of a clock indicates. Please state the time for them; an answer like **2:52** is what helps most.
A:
**12:50**
